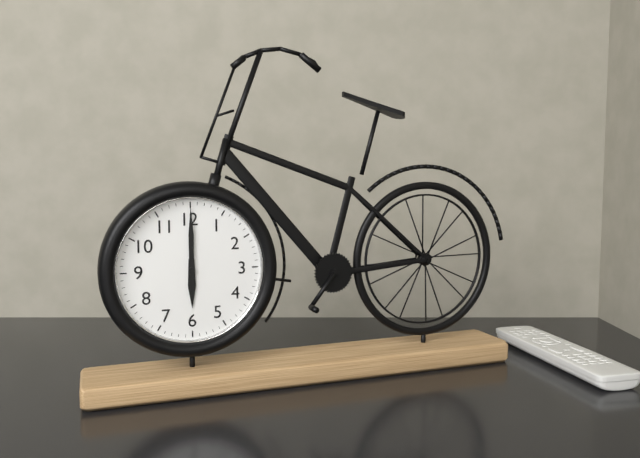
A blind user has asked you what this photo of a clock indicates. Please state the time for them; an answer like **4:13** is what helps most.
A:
**6:00**
